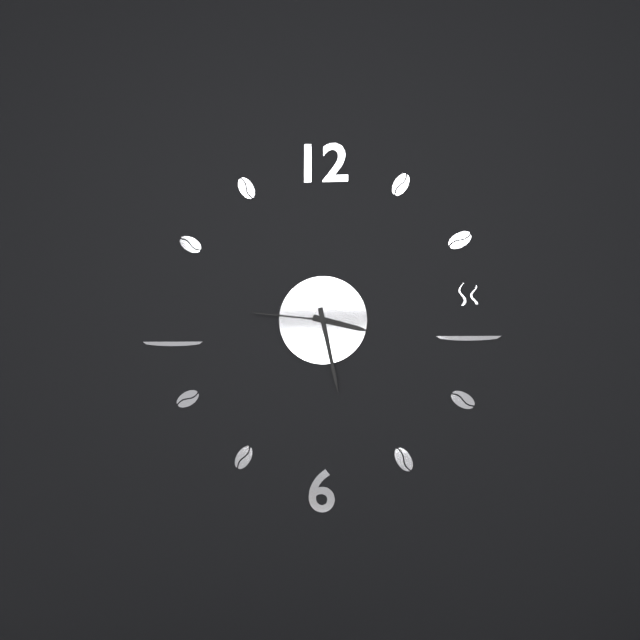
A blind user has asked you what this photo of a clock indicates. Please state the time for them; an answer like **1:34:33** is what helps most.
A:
**3:28:46**
